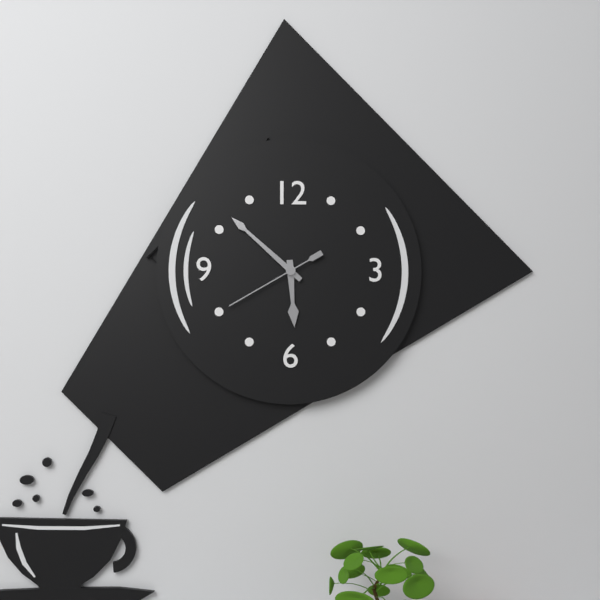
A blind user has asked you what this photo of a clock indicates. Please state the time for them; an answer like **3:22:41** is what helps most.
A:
**5:52:40**
